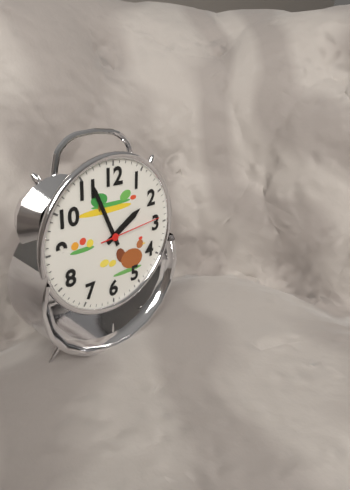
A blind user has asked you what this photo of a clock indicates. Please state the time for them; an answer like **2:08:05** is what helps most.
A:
**1:56:14**
